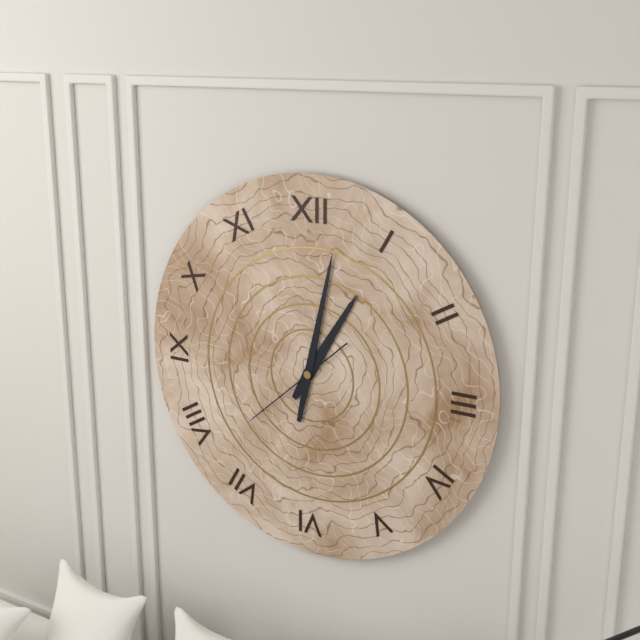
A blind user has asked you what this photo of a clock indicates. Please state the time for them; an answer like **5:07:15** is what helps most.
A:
**1:02:38**
